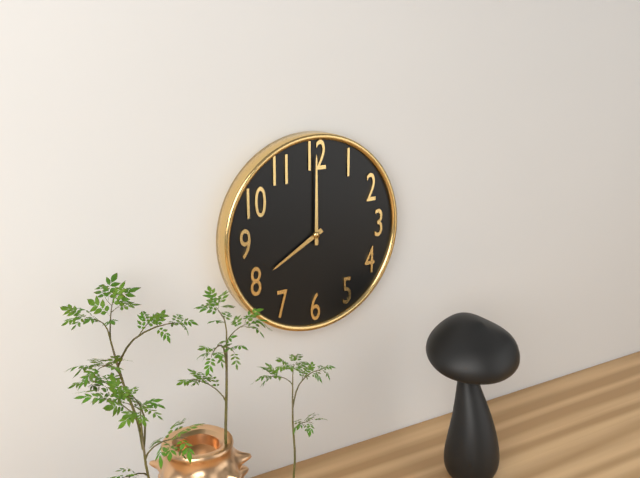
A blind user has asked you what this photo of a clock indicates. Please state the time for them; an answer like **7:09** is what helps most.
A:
**8:00**
